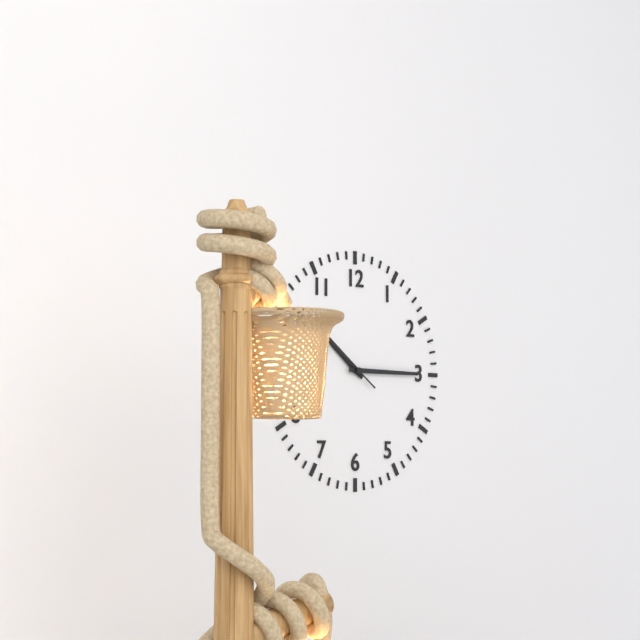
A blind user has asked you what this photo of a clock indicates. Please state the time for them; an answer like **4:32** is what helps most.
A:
**10:15**
